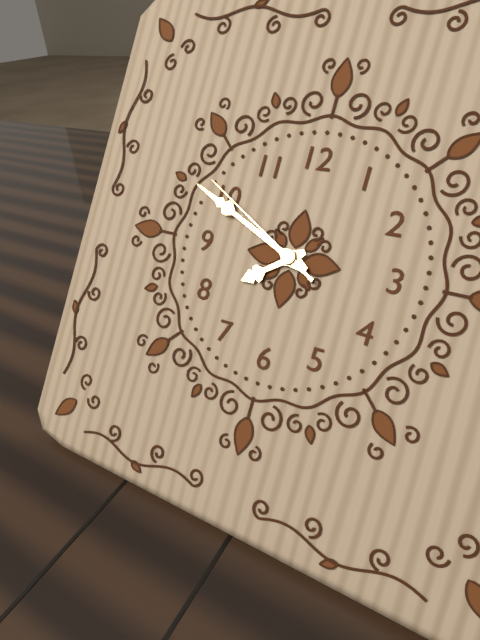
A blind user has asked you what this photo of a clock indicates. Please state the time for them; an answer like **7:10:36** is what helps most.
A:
**7:49:50**
